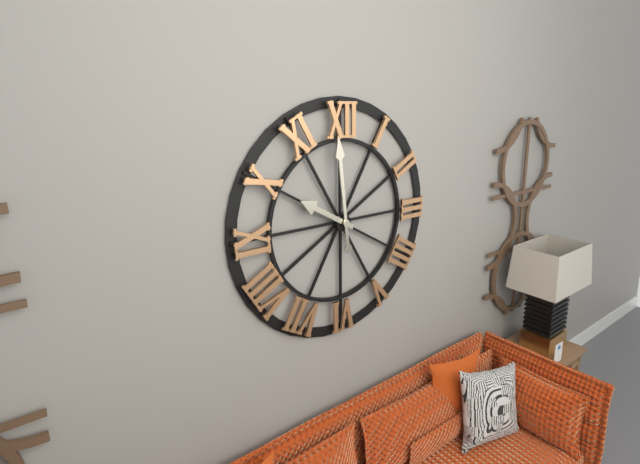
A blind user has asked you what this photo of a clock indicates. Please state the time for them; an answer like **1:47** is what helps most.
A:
**9:59**
